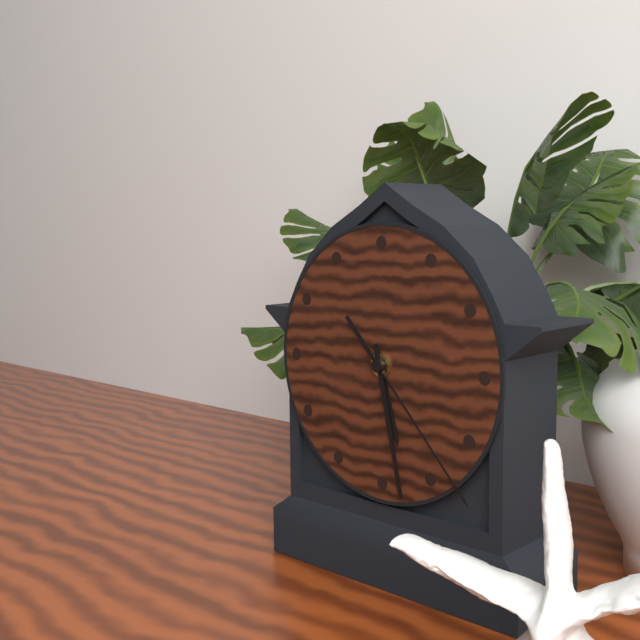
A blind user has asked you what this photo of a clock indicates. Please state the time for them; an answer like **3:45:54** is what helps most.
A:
**5:28:23**
